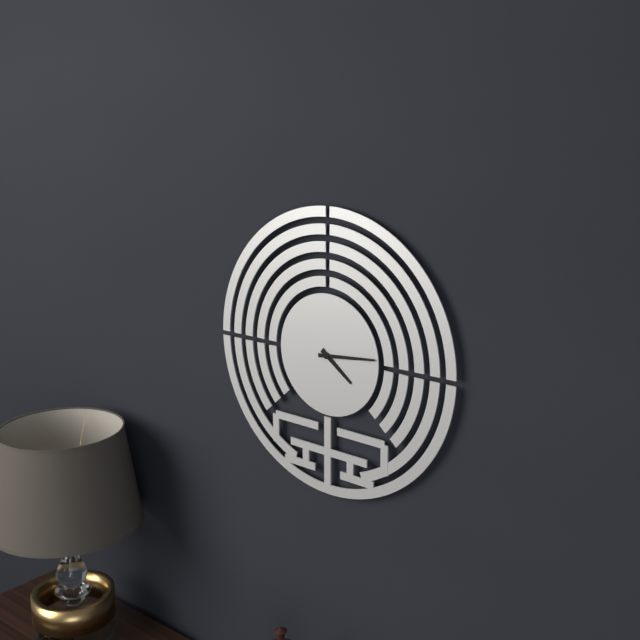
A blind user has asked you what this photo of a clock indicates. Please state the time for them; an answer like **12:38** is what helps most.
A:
**4:14**
